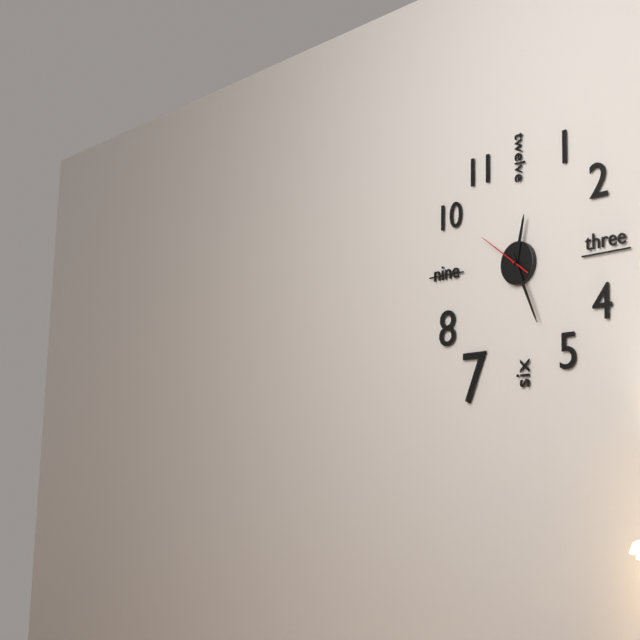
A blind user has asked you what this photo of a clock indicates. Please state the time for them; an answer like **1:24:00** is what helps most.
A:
**12:26:51**
